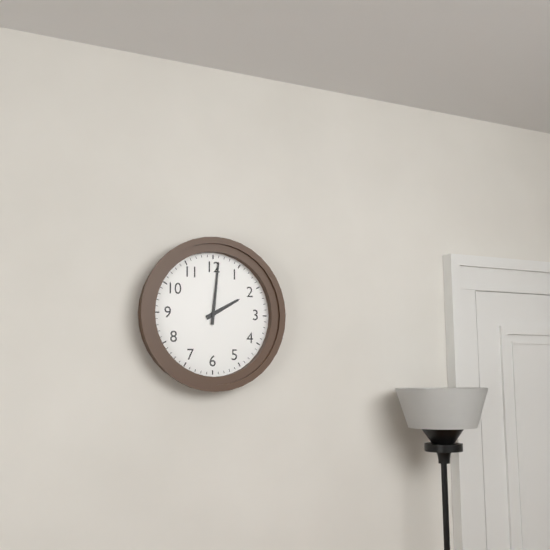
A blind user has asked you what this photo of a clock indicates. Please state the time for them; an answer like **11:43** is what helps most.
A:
**2:01**
